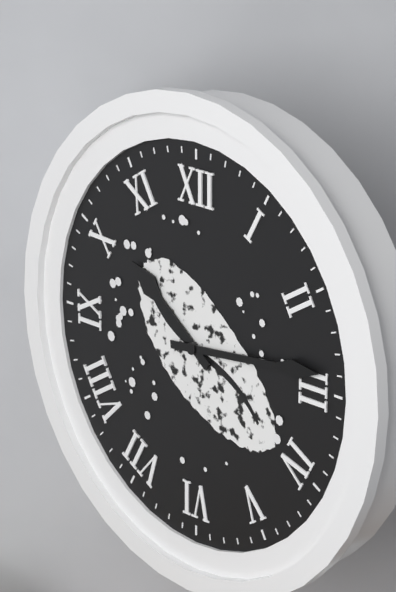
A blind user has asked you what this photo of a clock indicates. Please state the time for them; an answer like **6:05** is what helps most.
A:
**10:14**
